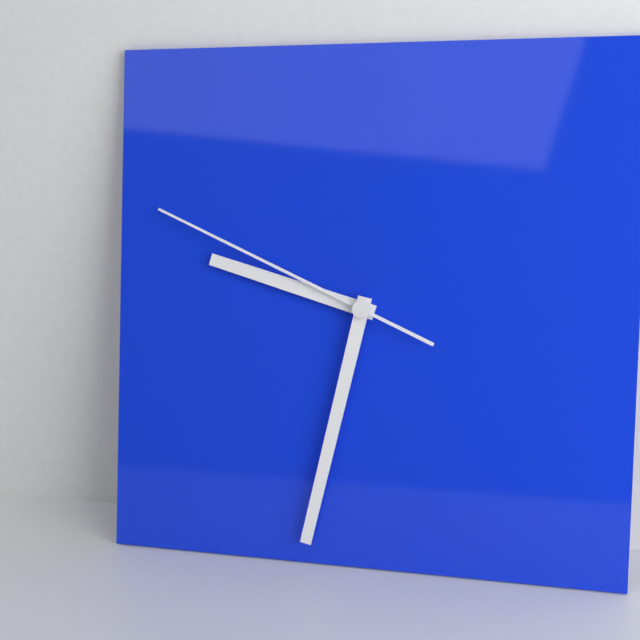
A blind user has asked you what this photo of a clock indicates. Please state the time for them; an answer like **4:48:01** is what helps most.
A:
**9:32:49**
